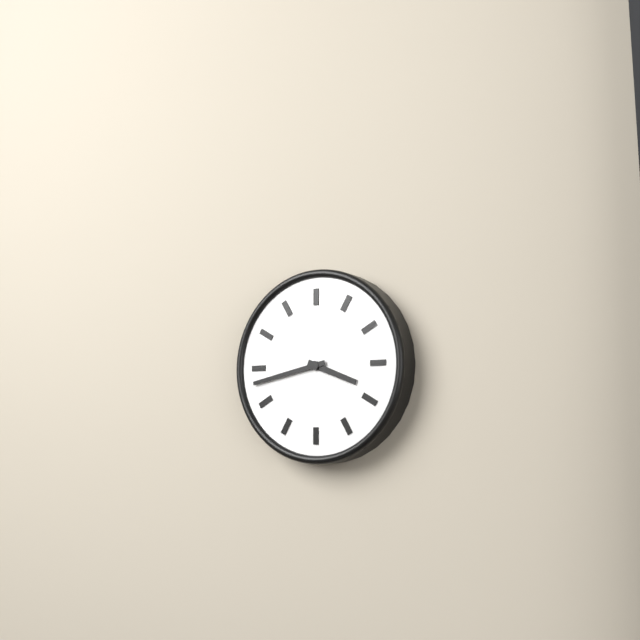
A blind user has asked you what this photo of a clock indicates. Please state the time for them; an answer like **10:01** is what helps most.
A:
**3:43**
